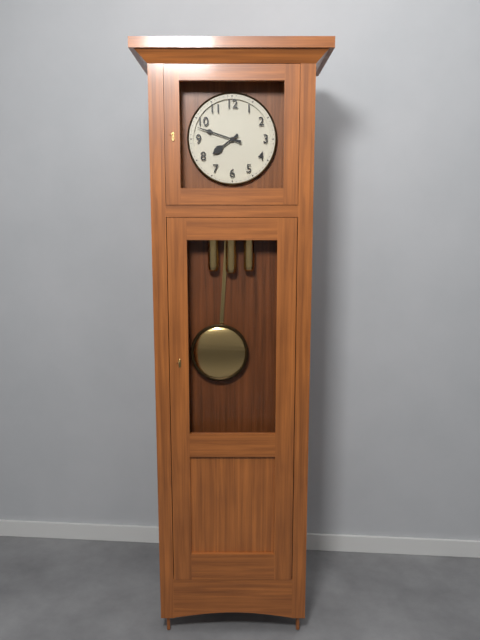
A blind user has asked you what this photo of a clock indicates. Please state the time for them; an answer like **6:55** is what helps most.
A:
**7:48**
